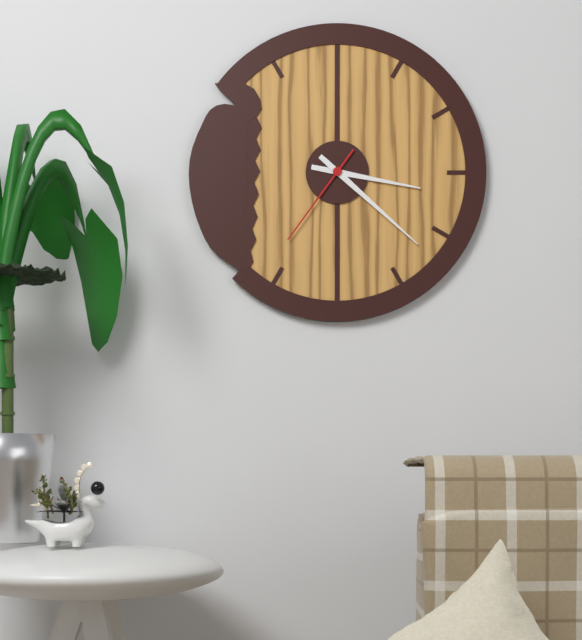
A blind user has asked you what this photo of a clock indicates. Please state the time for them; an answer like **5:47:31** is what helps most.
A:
**3:22:36**
